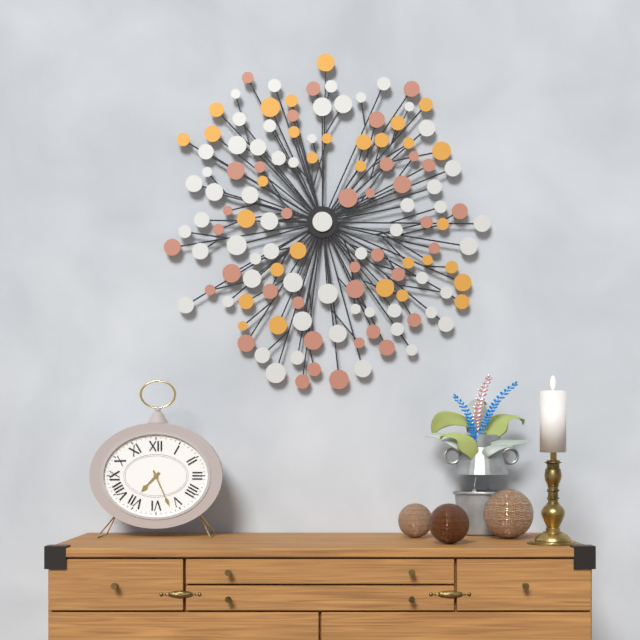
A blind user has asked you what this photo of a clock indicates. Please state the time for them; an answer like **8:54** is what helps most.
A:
**7:26**
